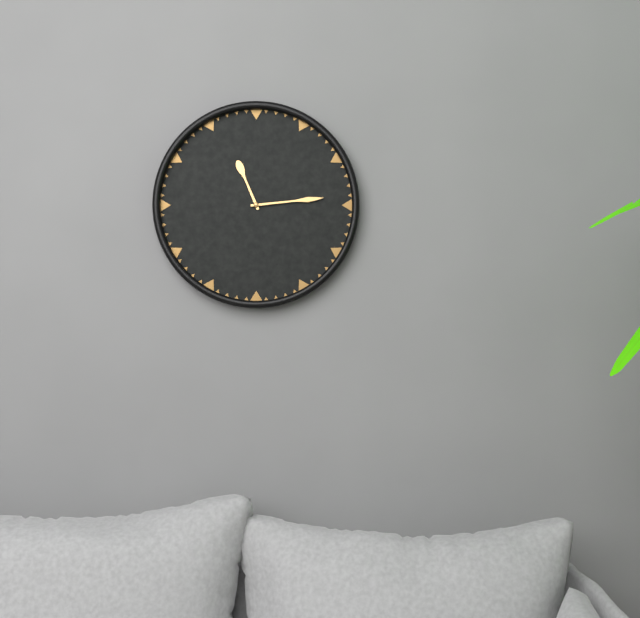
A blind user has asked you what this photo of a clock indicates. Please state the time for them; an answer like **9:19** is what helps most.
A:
**11:14**
